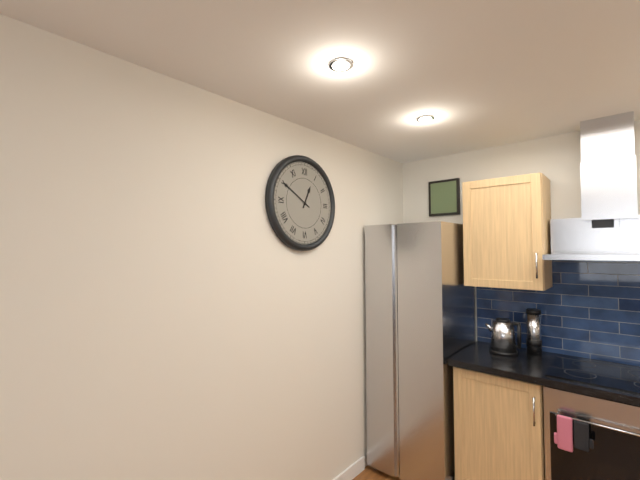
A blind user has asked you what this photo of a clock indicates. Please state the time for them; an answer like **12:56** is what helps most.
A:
**12:50**
